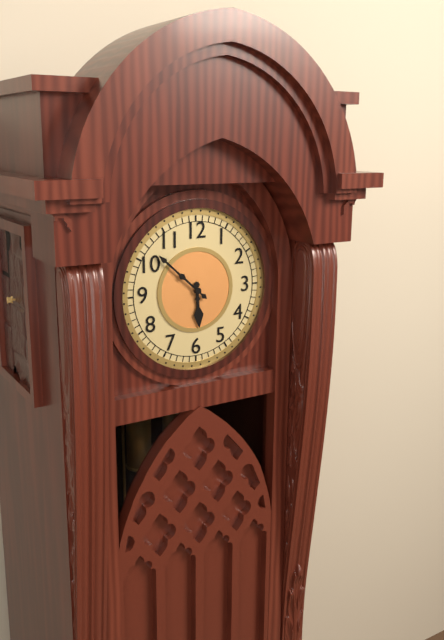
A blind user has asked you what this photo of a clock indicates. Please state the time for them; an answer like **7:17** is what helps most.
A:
**5:52**
